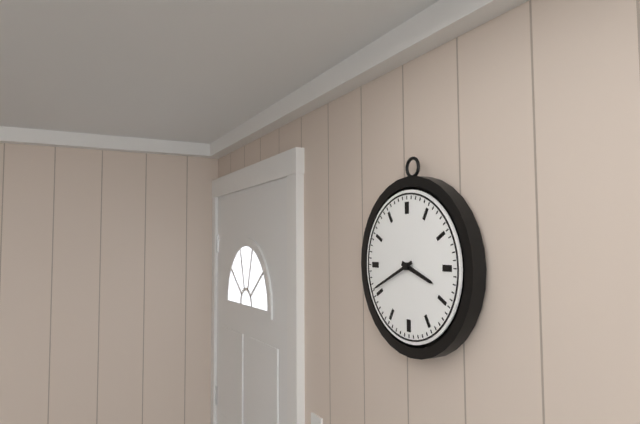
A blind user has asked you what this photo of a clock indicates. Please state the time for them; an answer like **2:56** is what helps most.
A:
**3:41**
